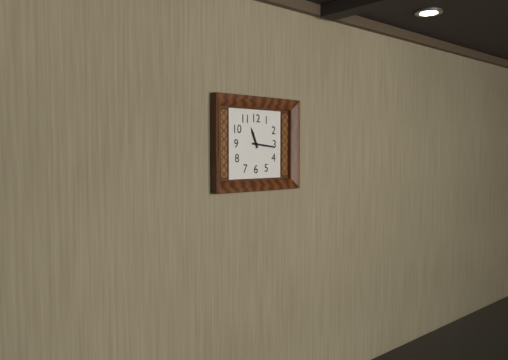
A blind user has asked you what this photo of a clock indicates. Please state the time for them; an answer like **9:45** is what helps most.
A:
**11:16**
